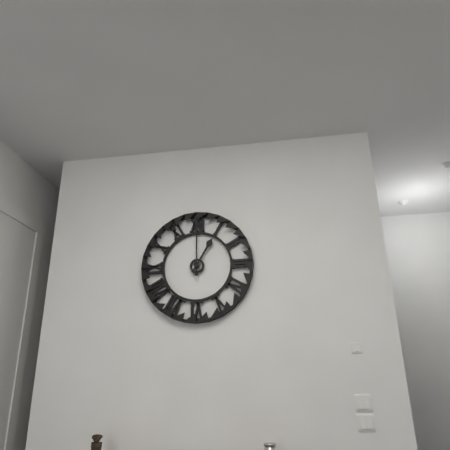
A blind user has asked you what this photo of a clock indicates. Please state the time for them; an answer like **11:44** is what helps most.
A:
**1:00**
